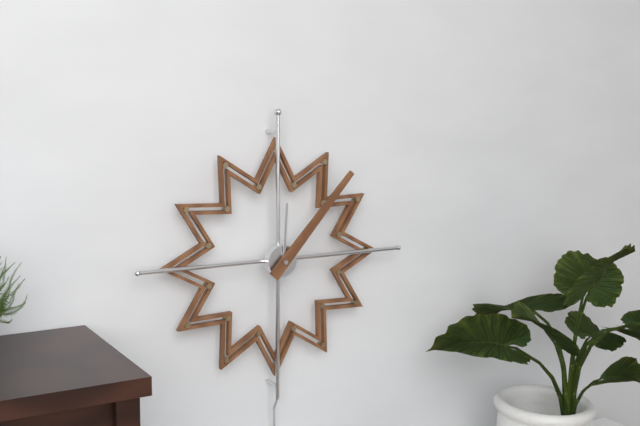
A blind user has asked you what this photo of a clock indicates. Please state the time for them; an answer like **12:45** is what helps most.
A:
**12:07**
